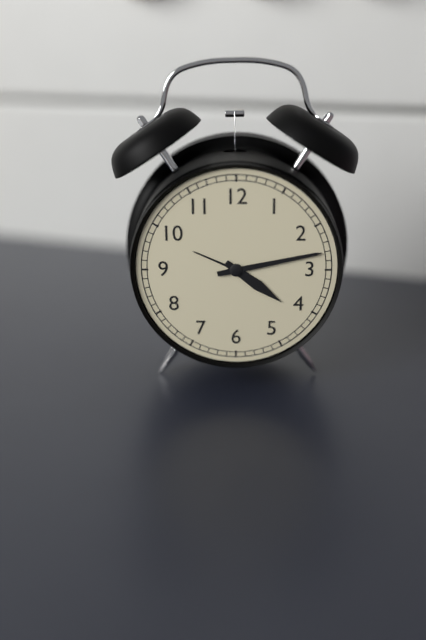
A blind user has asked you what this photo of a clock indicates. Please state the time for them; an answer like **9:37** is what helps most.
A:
**4:13**
